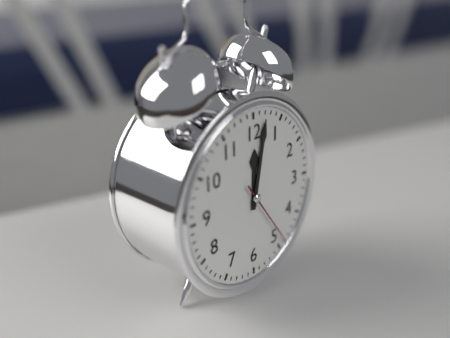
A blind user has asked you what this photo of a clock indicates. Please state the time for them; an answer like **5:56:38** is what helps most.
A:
**12:02:24**
